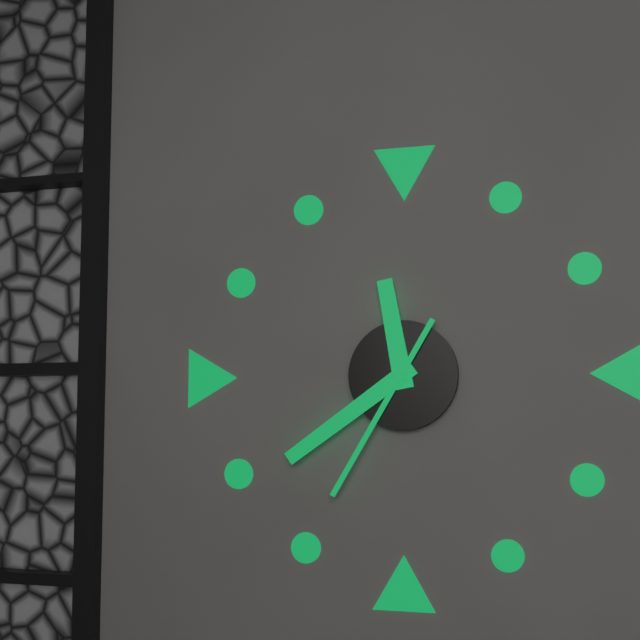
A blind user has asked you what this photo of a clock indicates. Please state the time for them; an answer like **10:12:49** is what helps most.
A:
**11:39:35**
